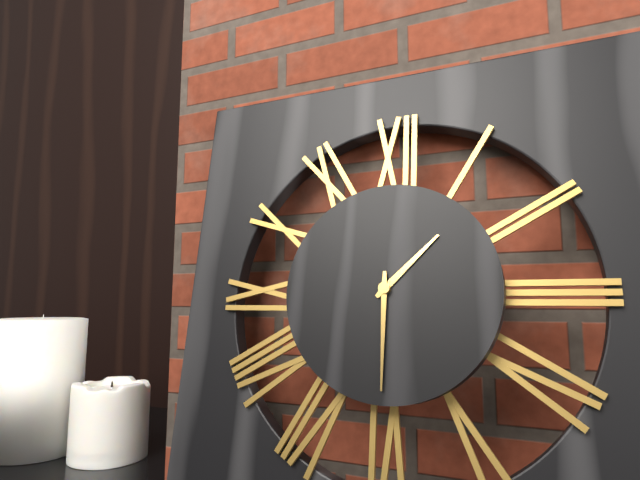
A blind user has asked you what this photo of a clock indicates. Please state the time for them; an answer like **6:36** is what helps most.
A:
**1:30**
